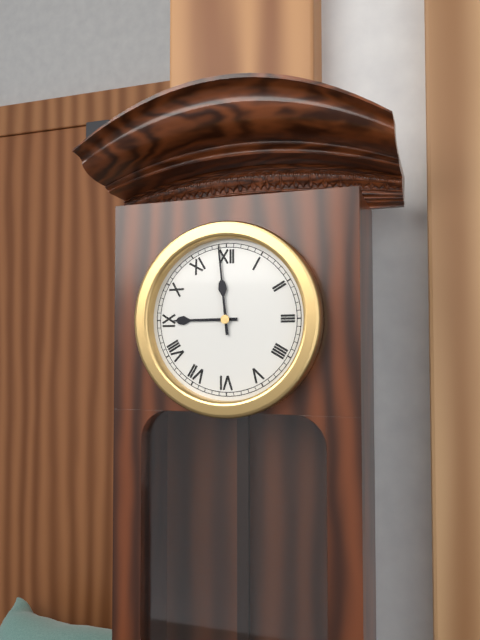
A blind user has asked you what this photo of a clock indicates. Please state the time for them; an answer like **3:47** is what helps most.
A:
**8:59**
